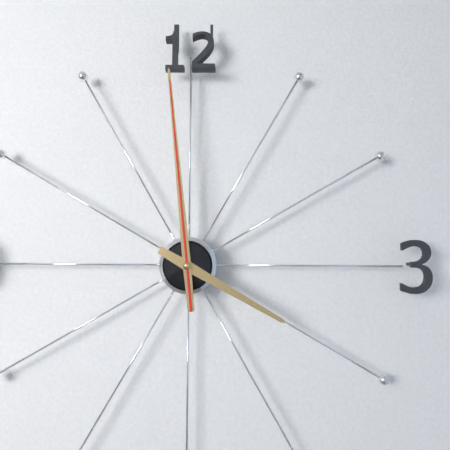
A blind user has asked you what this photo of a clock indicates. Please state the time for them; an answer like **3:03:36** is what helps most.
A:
**3:59:59**
